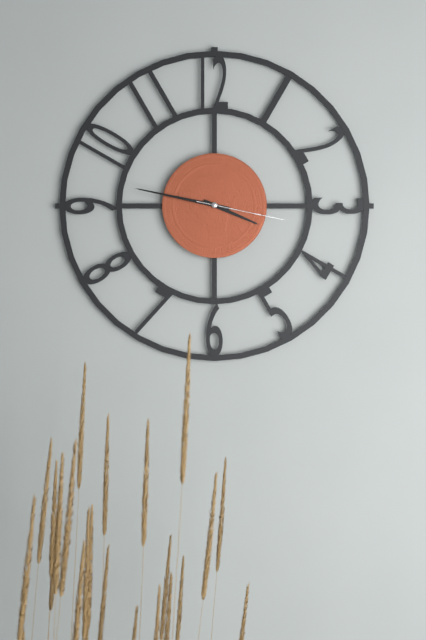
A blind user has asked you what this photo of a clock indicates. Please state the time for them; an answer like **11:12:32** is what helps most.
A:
**3:47:17**
